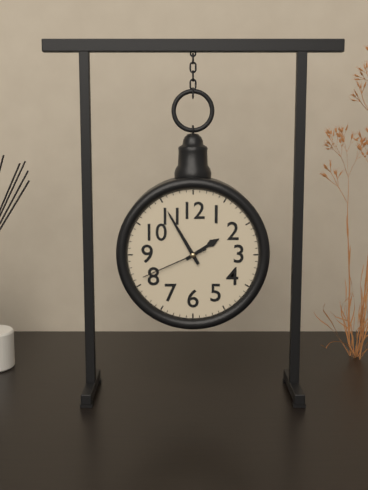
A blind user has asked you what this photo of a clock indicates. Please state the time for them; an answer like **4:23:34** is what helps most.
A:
**1:55:41**
